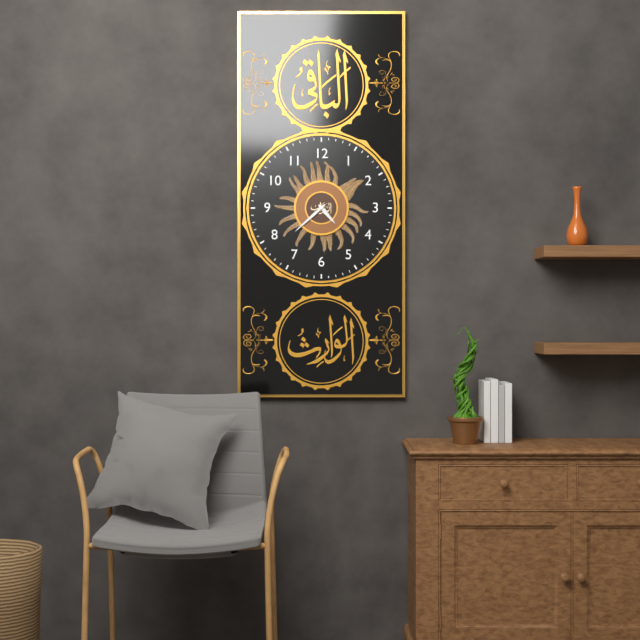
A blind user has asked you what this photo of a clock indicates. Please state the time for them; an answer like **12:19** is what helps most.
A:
**4:38**
